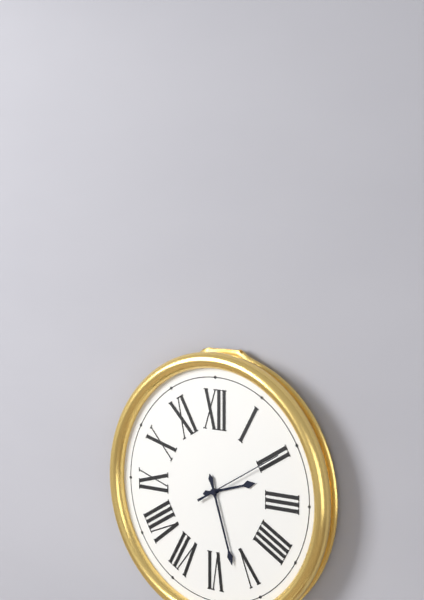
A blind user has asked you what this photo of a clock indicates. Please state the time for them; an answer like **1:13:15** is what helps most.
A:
**2:27:10**
